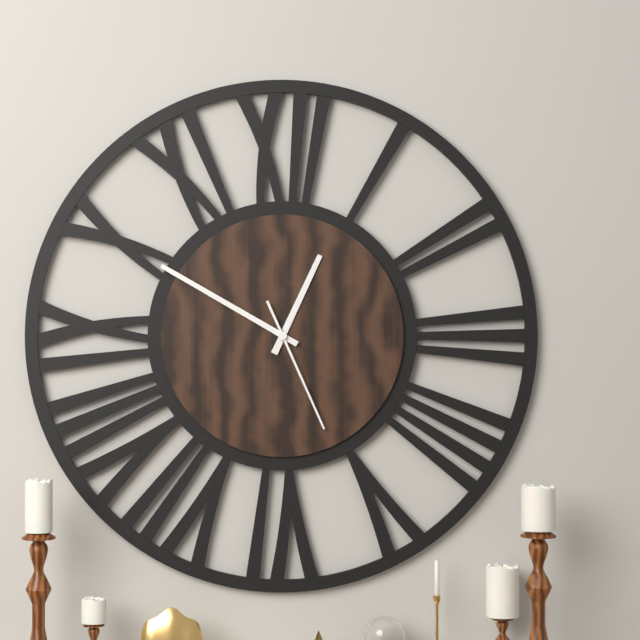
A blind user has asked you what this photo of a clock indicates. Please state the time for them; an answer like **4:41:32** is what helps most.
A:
**12:50:26**
